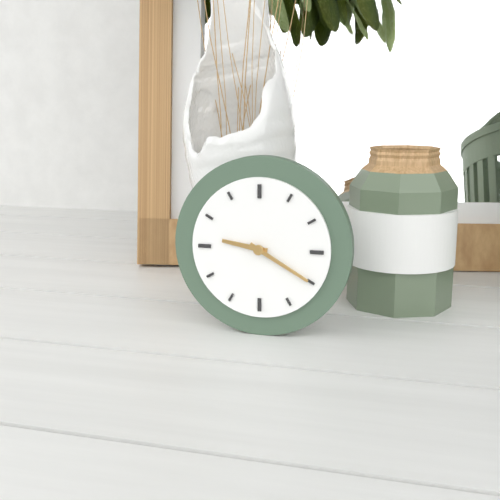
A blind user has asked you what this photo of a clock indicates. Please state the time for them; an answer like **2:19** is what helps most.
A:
**9:20**
